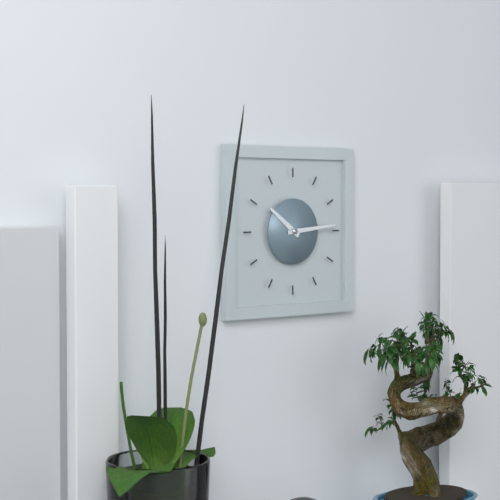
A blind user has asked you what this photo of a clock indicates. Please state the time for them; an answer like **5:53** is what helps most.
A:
**10:14**
